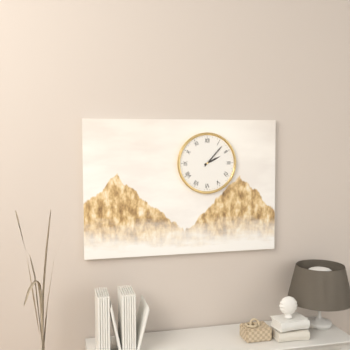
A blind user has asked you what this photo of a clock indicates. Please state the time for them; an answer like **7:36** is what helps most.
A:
**2:07**
